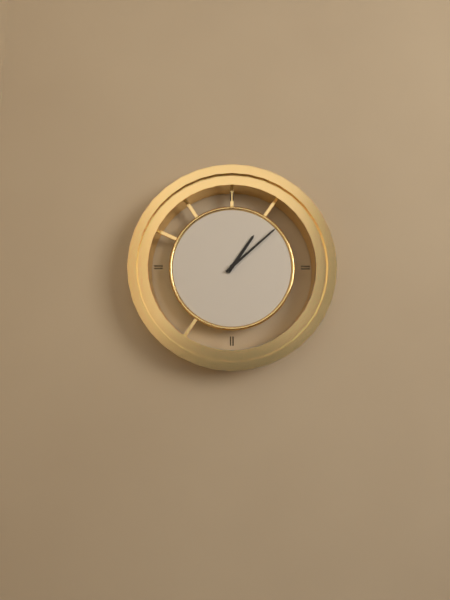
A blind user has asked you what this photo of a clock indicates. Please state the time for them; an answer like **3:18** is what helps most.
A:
**1:08**
